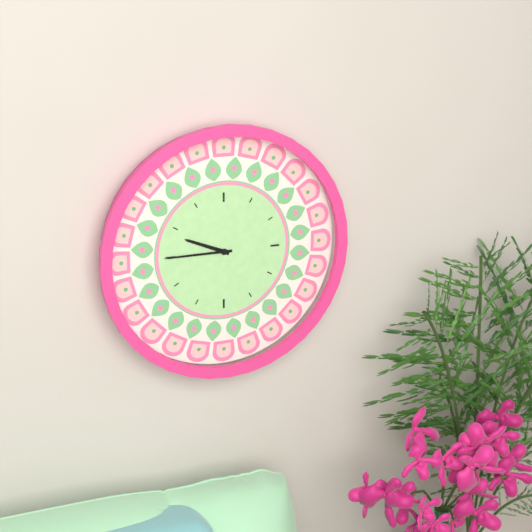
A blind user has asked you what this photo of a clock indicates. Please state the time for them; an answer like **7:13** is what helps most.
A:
**9:45**
